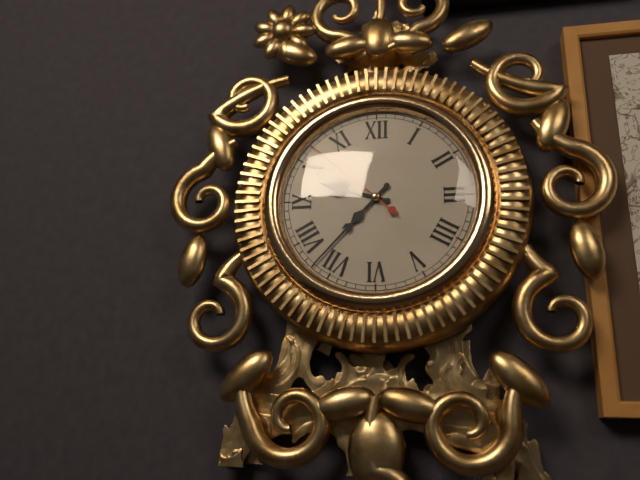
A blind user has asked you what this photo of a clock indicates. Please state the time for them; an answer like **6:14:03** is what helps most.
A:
**9:37:52**
